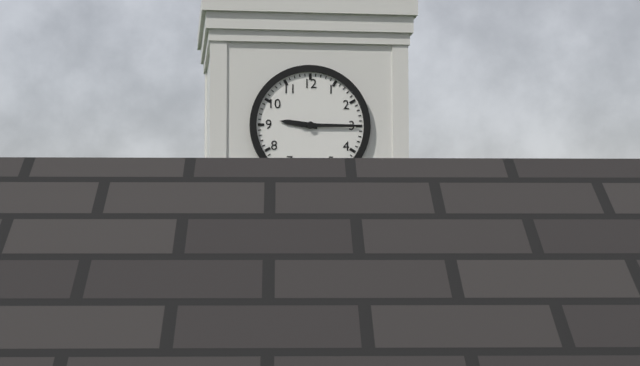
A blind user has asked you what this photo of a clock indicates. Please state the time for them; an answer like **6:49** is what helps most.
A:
**9:15**
